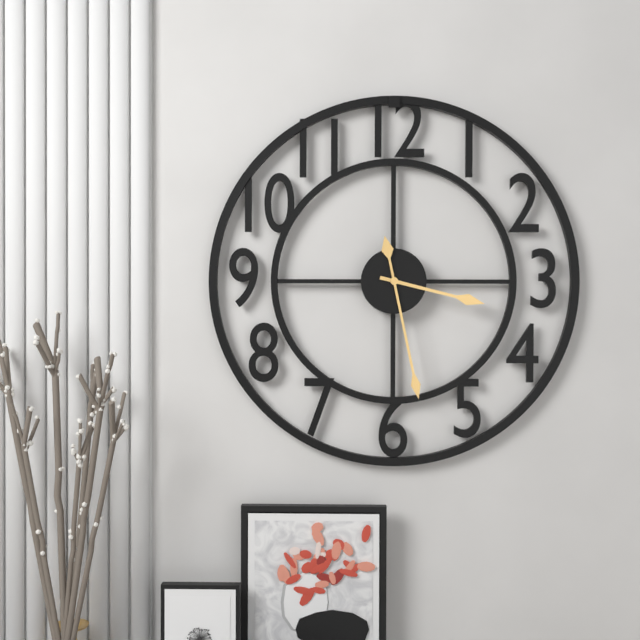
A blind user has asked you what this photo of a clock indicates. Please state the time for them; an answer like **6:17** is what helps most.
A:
**3:28**
